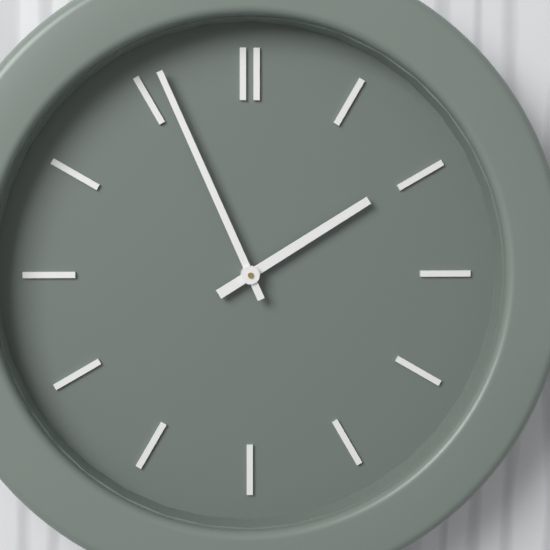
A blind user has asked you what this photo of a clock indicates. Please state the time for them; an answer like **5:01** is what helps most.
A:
**1:56**
